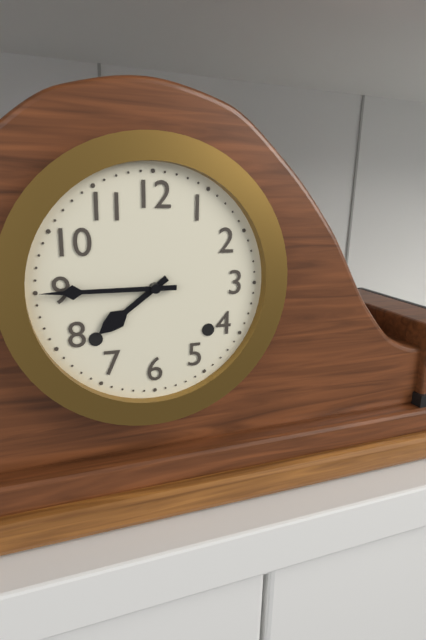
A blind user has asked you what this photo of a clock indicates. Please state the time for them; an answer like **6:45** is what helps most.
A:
**7:45**
